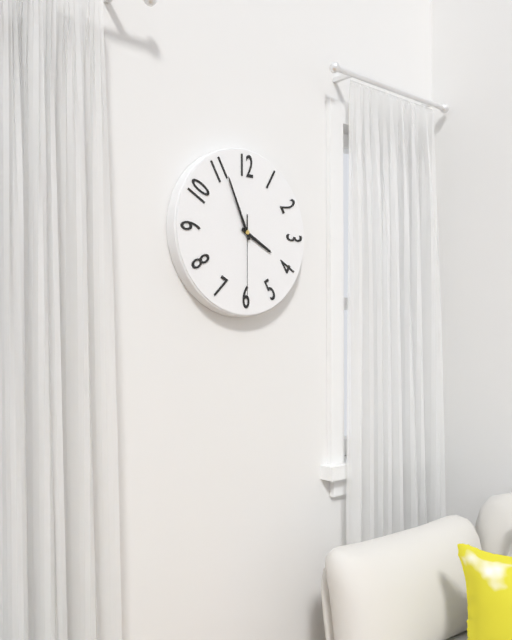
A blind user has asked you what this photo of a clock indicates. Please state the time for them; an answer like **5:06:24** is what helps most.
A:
**3:56:30**
